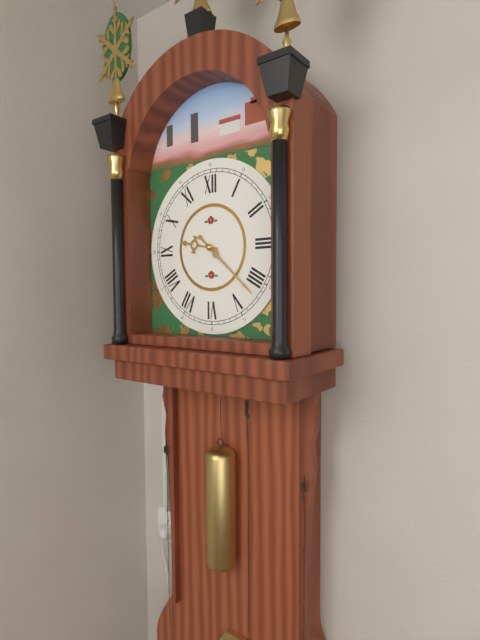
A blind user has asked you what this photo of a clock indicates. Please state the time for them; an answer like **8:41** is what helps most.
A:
**9:22**
